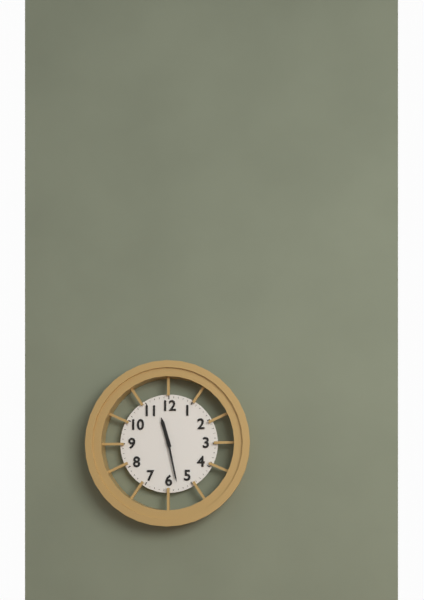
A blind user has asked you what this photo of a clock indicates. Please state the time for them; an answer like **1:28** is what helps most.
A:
**11:28**
